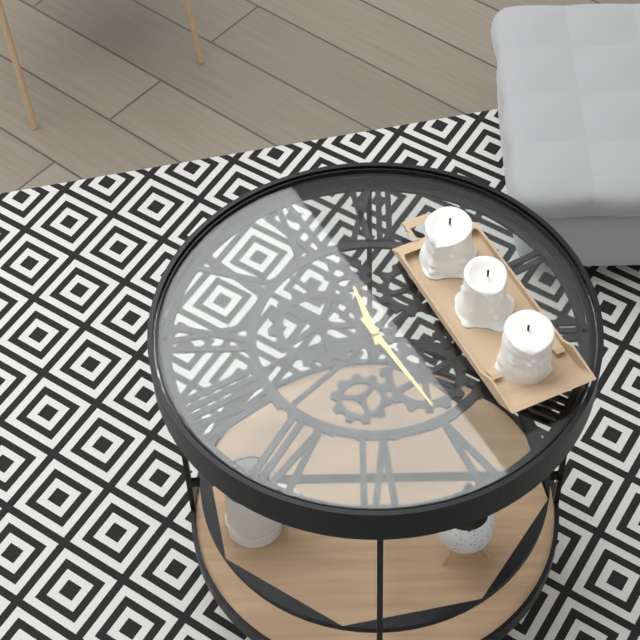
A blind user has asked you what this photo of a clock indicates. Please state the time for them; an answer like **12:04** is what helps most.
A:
**11:25**
